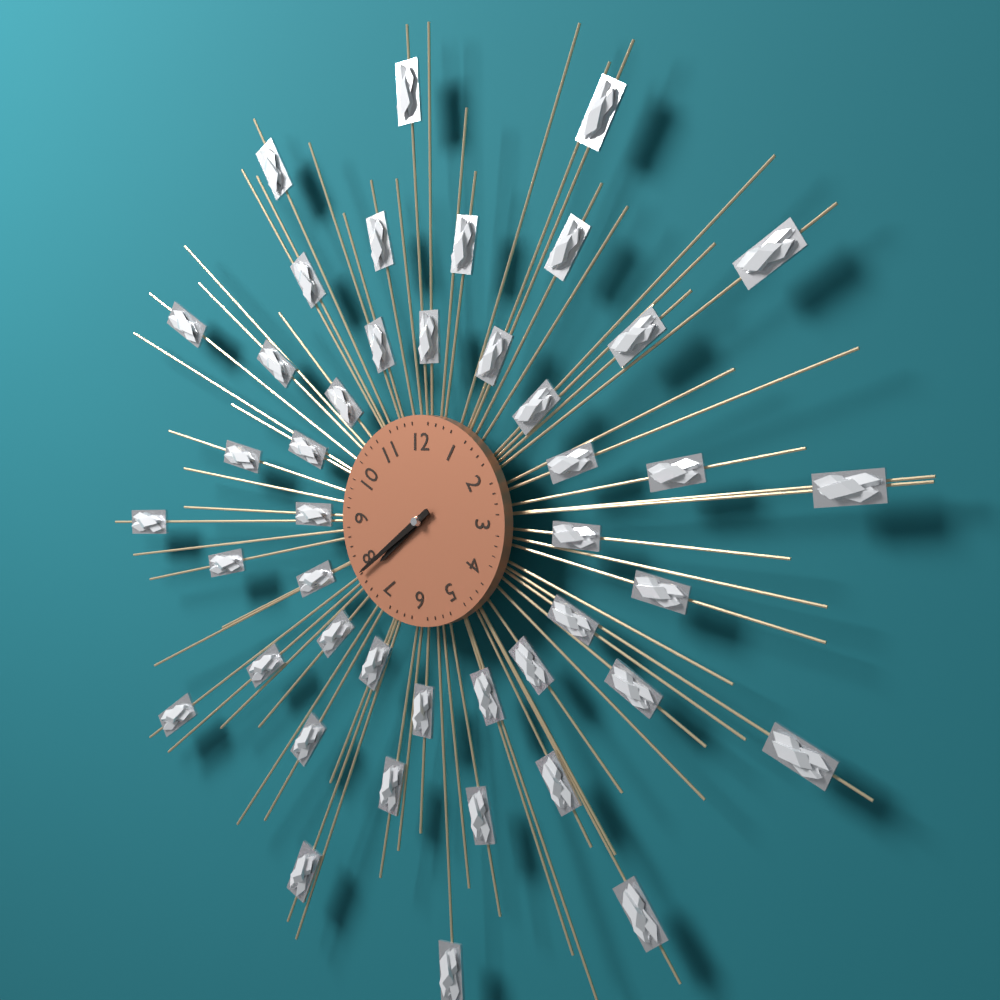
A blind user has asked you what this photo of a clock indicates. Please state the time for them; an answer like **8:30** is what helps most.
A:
**7:39**
